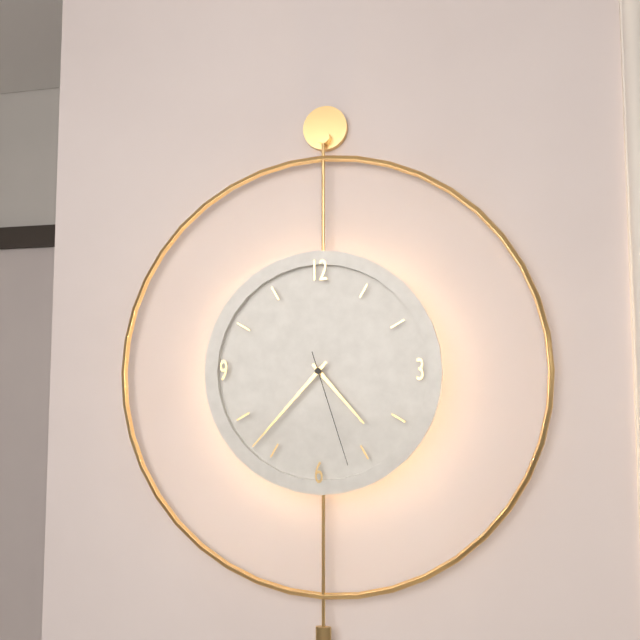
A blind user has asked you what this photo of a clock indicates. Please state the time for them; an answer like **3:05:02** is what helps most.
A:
**4:37:27**
